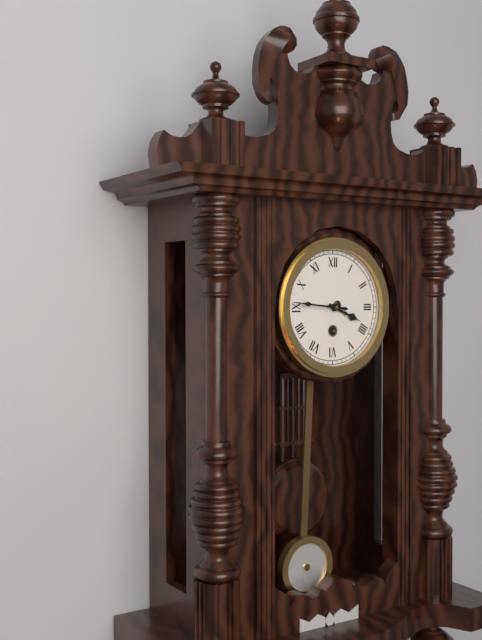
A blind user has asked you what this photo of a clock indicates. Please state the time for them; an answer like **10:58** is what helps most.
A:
**3:46**
